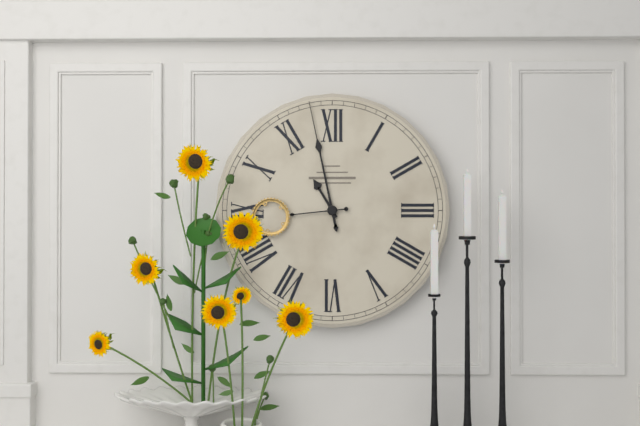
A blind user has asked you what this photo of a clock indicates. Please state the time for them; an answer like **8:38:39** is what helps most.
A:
**10:58:44**
